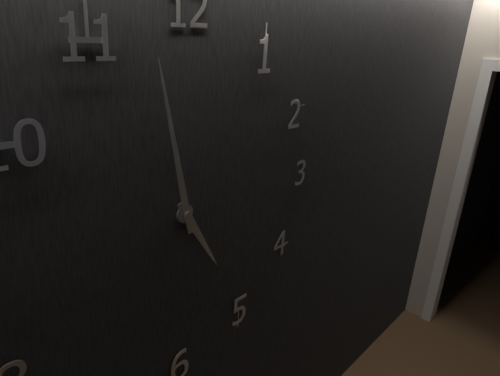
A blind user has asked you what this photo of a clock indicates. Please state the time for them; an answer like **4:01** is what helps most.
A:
**4:58**
